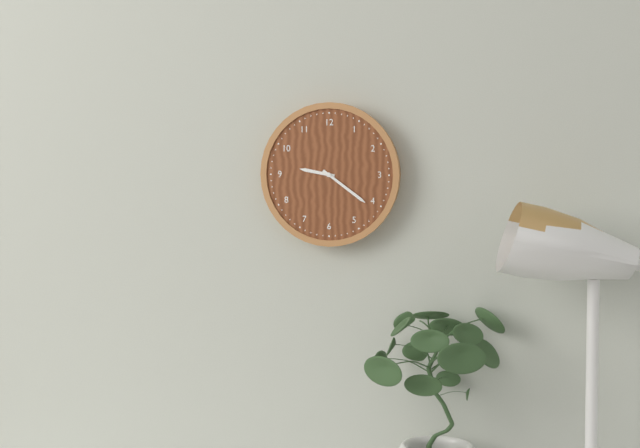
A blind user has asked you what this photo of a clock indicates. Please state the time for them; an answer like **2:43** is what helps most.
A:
**9:21**
